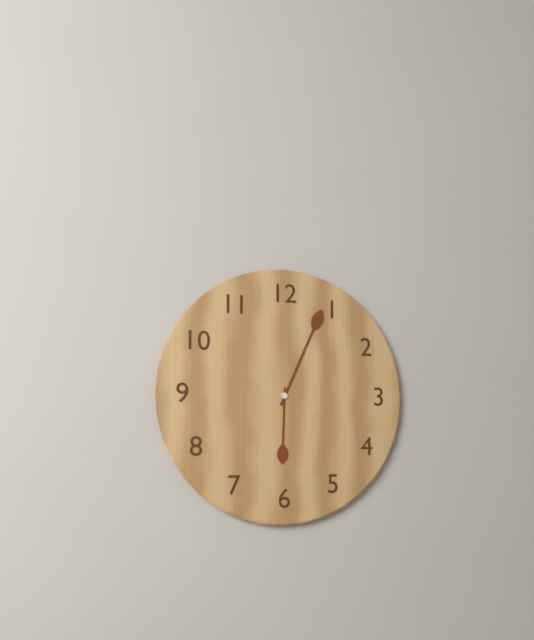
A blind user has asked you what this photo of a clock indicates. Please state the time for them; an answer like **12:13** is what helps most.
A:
**6:04**
